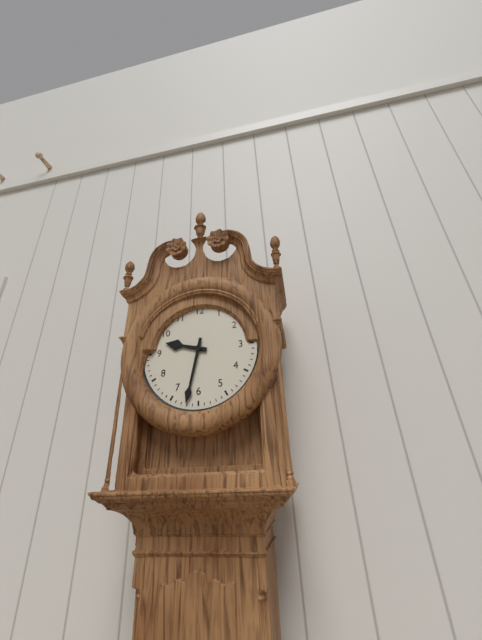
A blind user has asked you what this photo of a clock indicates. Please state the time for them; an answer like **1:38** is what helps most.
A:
**9:32**
